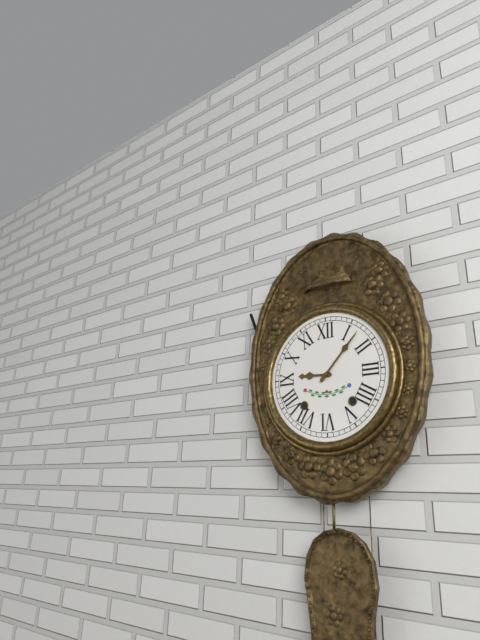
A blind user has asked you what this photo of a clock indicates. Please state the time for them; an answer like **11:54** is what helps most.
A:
**9:07**
